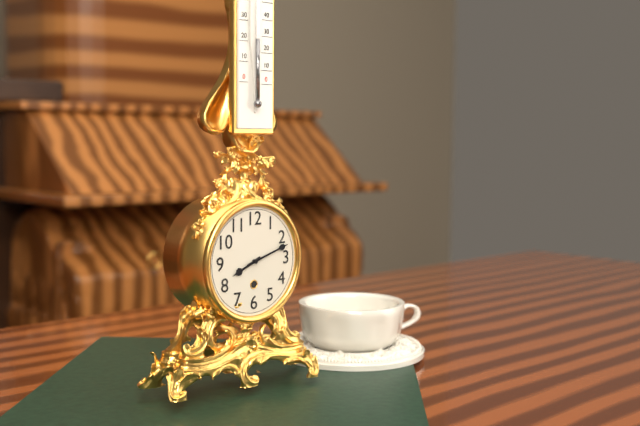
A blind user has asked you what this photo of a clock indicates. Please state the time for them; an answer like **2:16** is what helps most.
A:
**8:12**
